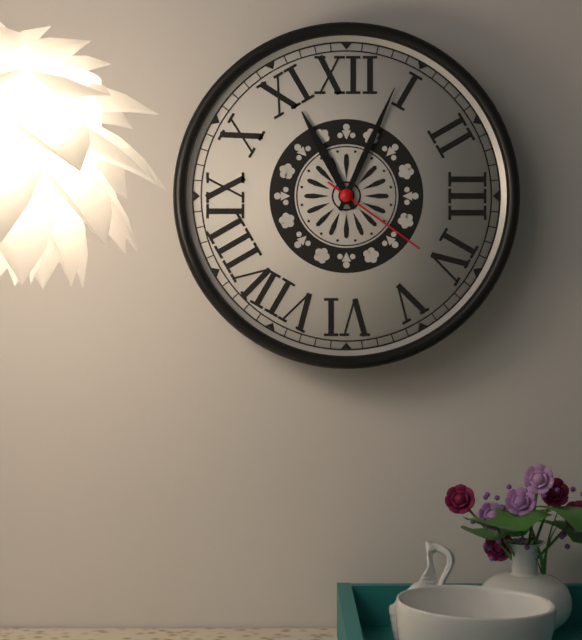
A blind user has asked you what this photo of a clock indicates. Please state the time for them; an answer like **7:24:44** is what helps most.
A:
**11:04:21**
